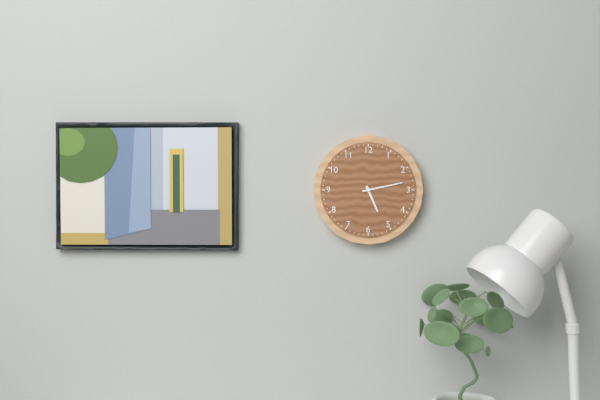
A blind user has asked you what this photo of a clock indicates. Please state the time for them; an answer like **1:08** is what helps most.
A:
**5:13**
